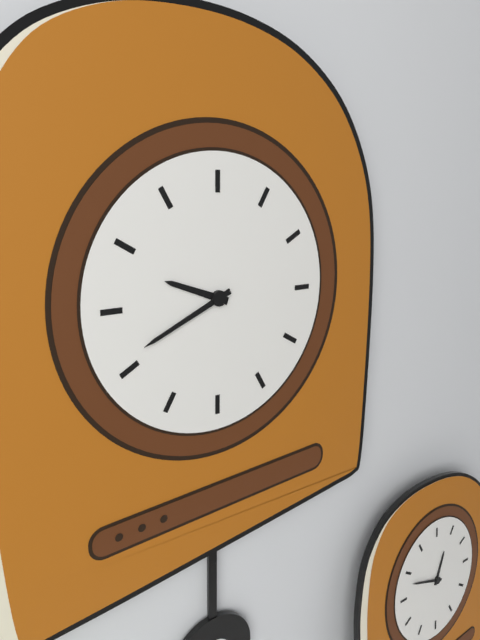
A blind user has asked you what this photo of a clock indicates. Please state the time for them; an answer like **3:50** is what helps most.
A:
**9:41**
